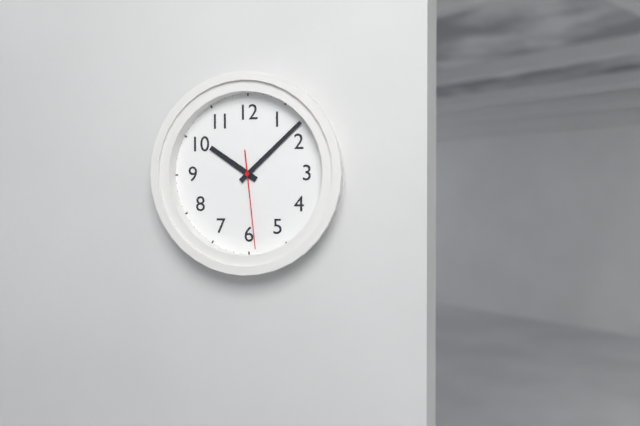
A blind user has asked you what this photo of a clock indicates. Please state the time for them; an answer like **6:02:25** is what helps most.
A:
**10:08:29**
